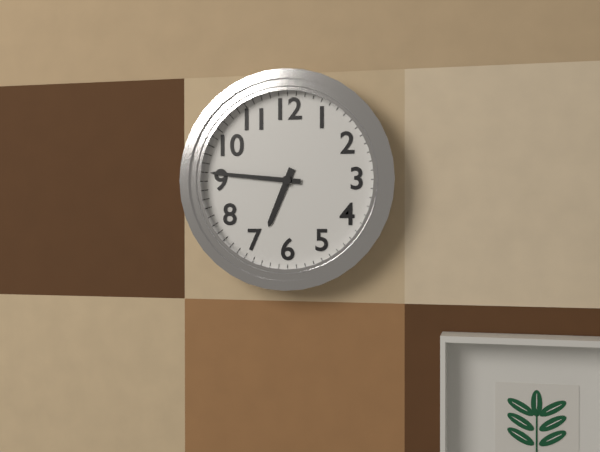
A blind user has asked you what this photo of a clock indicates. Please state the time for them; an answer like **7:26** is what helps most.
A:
**6:46**
